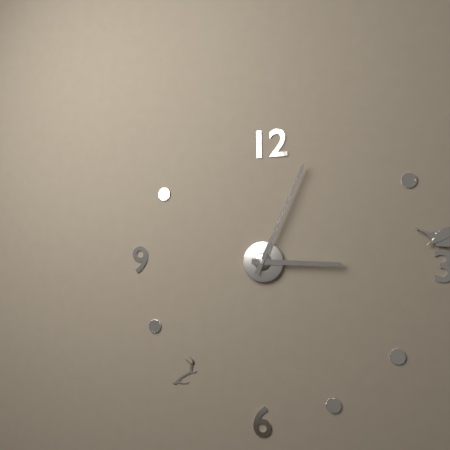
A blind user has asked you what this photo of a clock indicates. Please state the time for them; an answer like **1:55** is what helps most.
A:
**3:04**
